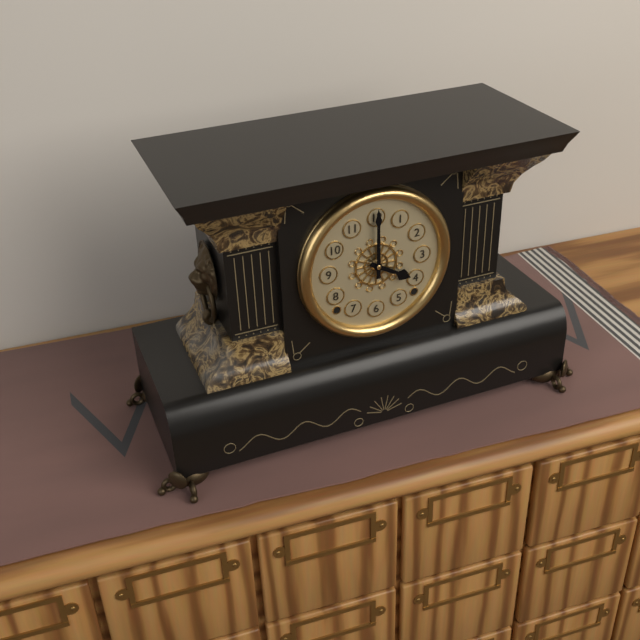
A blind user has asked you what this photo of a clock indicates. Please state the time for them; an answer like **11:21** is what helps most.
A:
**4:00**
